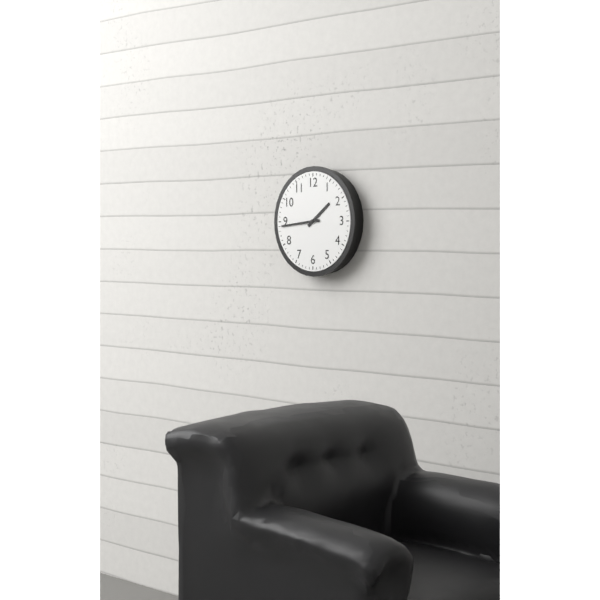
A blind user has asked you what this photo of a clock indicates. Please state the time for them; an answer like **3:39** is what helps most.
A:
**1:44**
